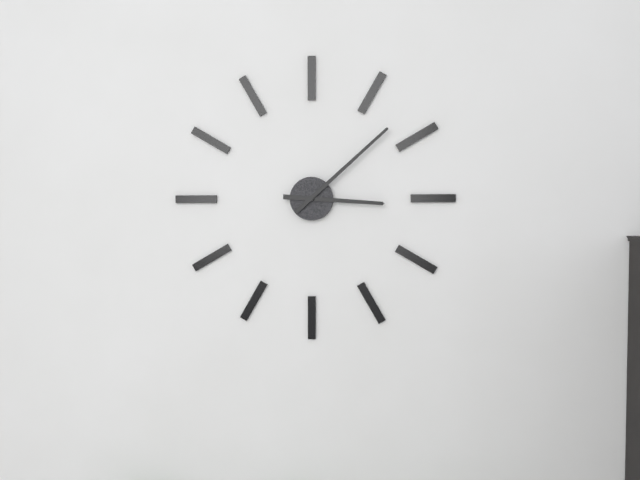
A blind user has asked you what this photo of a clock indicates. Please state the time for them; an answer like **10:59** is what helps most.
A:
**3:08**
